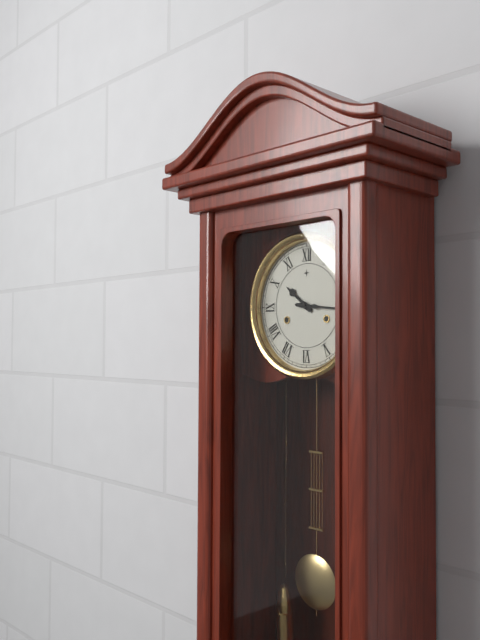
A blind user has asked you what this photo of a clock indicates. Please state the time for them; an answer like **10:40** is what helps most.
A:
**10:16**
